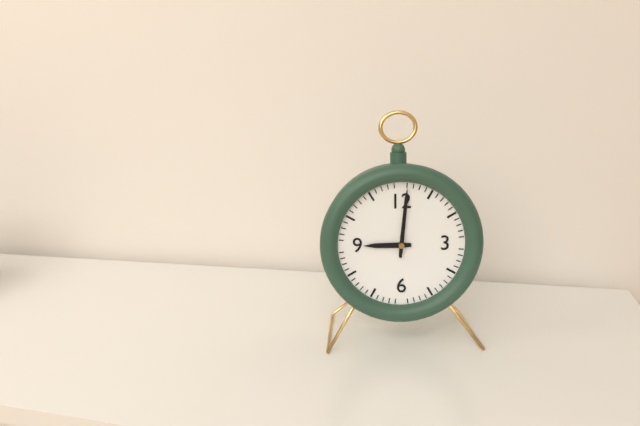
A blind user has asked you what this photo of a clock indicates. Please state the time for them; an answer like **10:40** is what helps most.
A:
**9:01**
